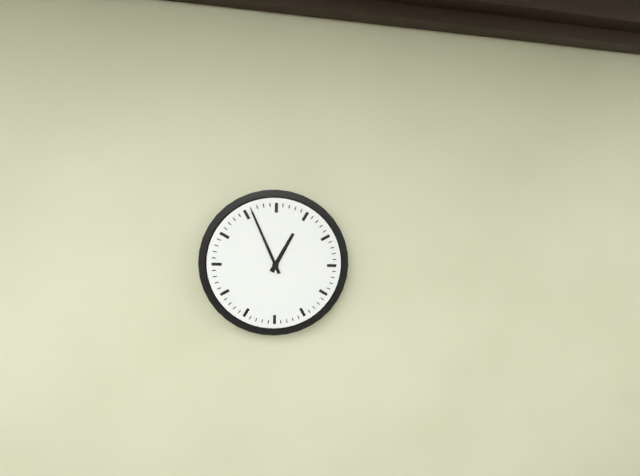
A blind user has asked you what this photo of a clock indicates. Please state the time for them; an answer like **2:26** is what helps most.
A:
**12:56**
